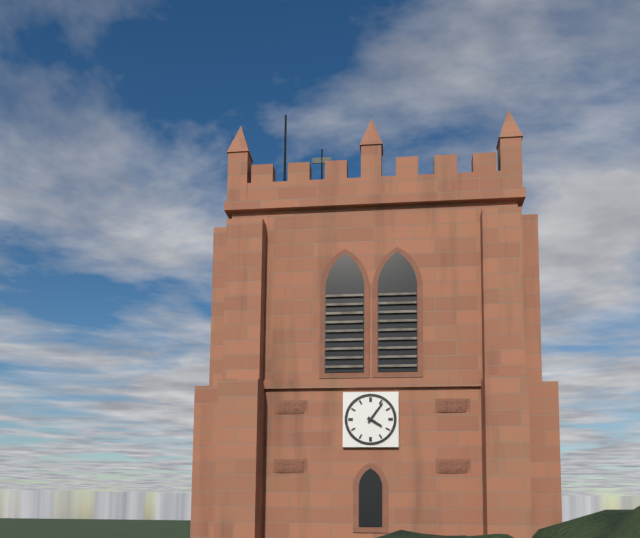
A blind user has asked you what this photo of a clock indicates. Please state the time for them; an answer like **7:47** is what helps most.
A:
**4:06**
